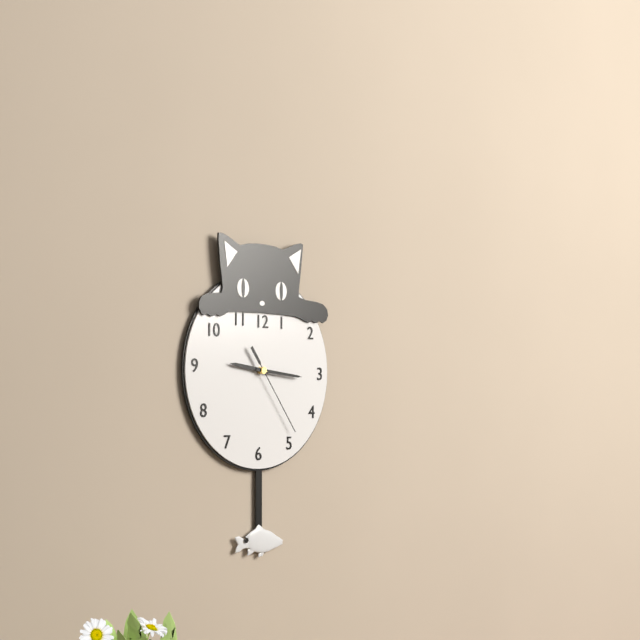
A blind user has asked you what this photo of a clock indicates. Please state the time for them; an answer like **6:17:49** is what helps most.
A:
**9:16:24**
